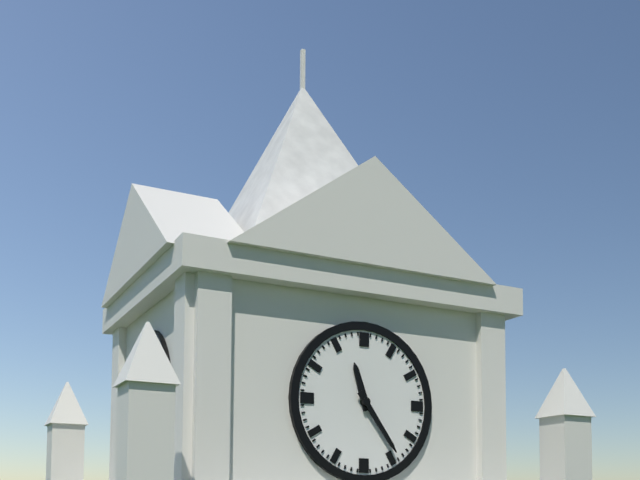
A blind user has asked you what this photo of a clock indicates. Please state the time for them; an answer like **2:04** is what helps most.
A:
**11:24**
